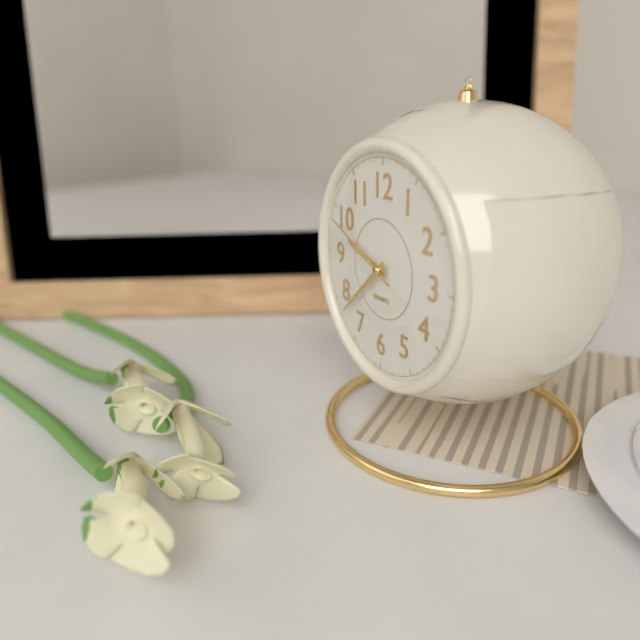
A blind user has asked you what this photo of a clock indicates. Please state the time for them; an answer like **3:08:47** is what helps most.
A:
**9:38:49**
